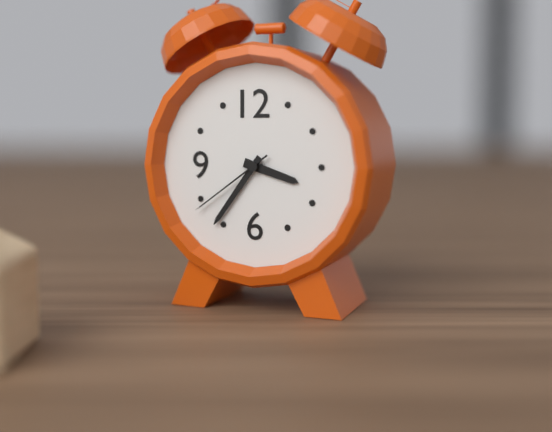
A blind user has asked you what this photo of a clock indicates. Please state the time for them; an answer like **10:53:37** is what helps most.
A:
**3:36:39**
